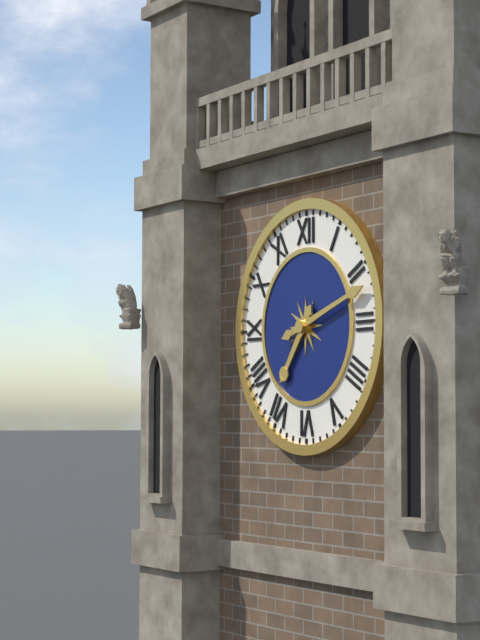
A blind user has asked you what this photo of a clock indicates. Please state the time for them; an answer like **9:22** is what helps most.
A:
**7:12**
